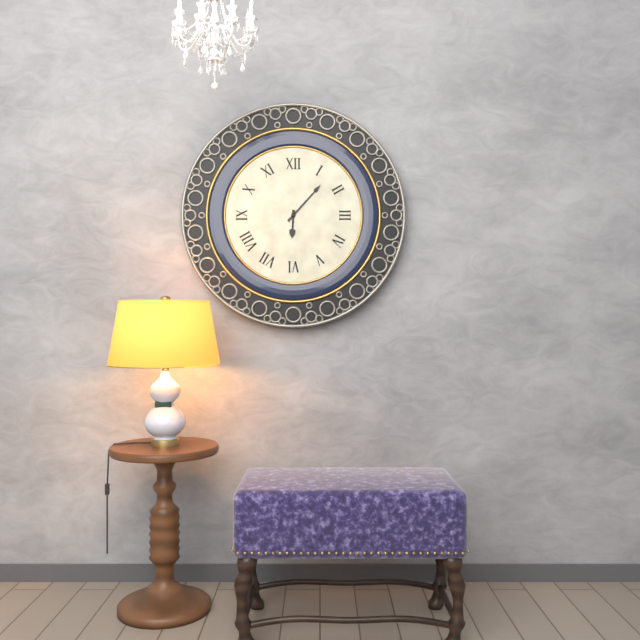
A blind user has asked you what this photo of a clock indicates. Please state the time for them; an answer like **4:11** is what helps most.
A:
**6:07**
